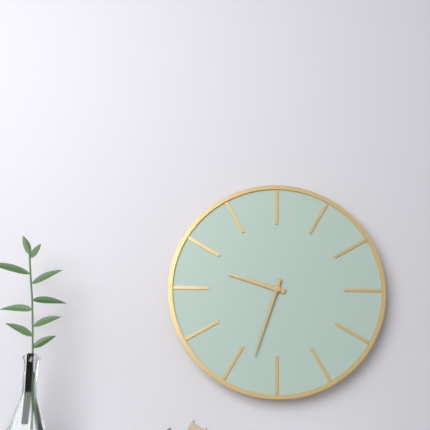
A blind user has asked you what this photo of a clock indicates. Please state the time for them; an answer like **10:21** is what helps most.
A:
**9:33**
